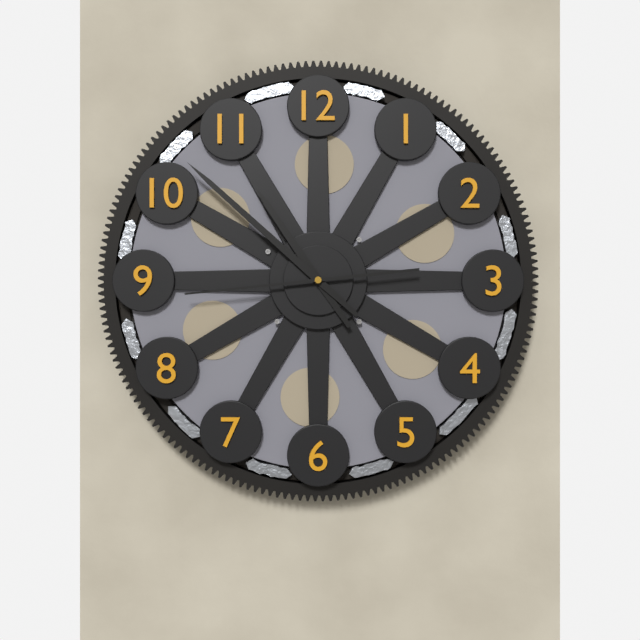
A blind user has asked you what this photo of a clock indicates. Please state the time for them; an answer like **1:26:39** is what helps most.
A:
**10:52:44**
